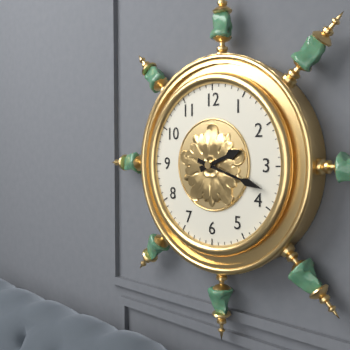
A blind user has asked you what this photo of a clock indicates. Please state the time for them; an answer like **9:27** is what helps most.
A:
**2:18**
